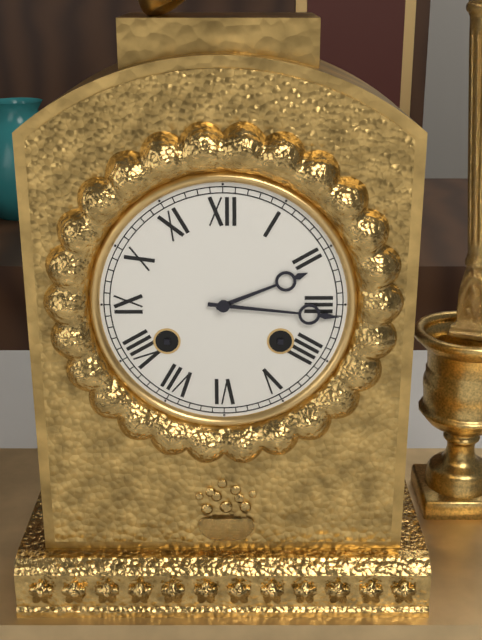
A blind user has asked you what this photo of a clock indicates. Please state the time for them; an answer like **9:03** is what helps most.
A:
**2:16**
